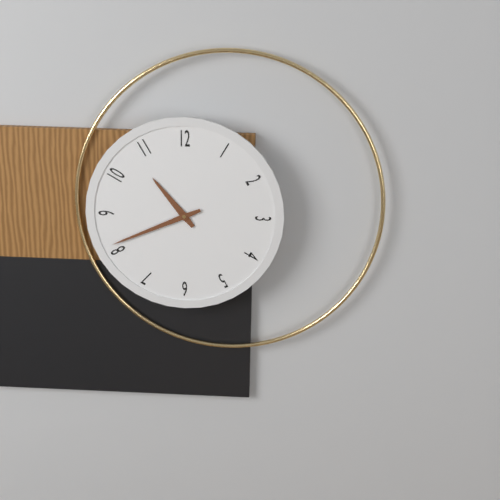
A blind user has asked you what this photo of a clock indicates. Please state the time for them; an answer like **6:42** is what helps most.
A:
**10:41**
